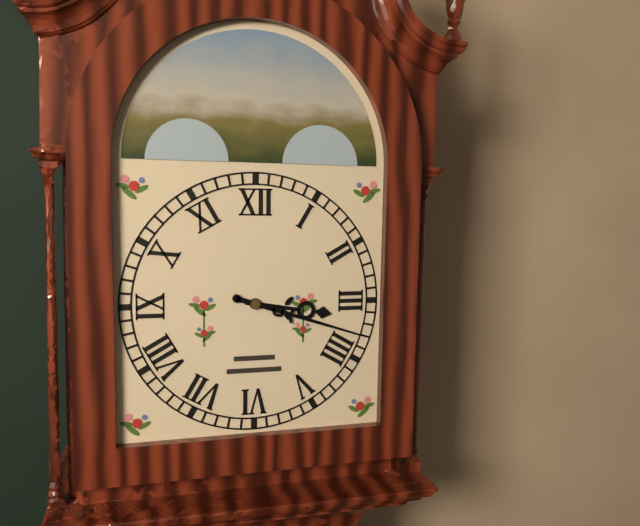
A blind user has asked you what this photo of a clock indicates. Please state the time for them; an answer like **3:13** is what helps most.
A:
**3:18**
